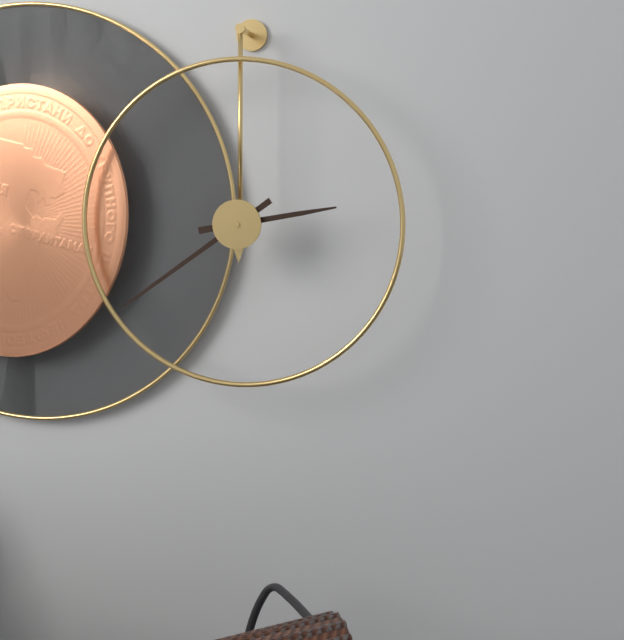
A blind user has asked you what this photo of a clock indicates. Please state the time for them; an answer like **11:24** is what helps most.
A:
**2:39**
